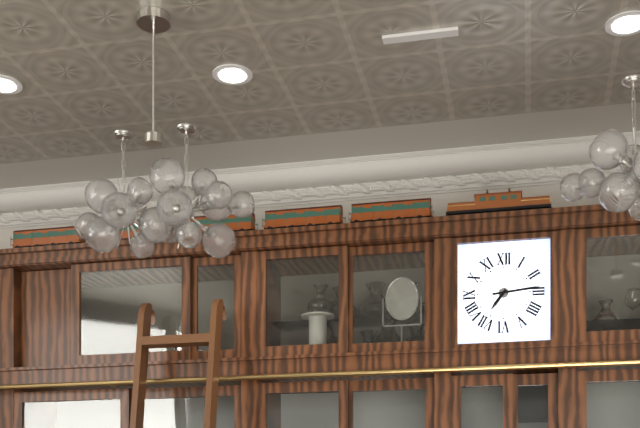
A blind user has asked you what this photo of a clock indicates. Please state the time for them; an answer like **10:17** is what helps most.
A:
**7:14**
